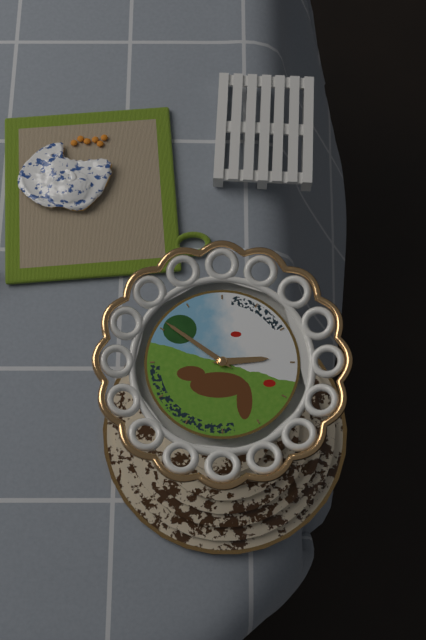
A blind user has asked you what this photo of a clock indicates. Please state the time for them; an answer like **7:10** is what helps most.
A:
**2:51**
